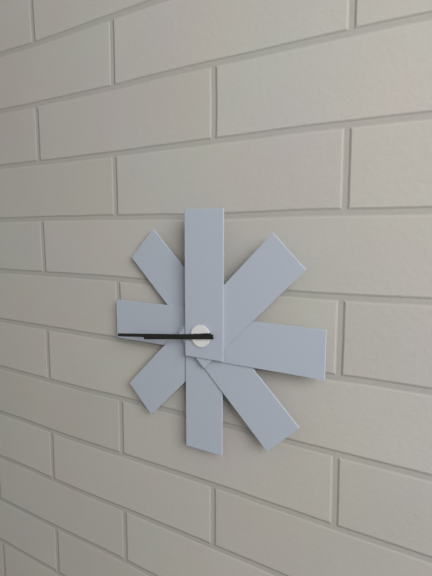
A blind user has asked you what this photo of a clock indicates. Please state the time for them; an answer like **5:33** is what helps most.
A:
**8:44**
